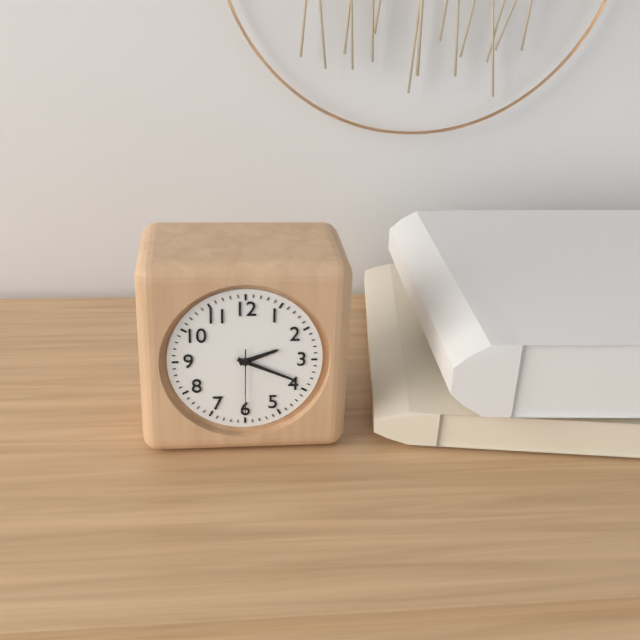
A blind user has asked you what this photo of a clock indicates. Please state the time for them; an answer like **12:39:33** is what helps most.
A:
**2:19:30**
